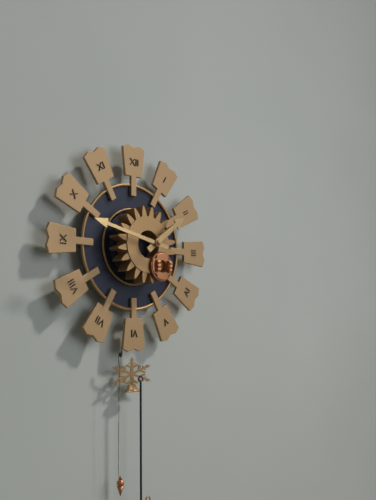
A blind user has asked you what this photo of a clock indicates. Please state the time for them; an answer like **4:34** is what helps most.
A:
**1:47**
